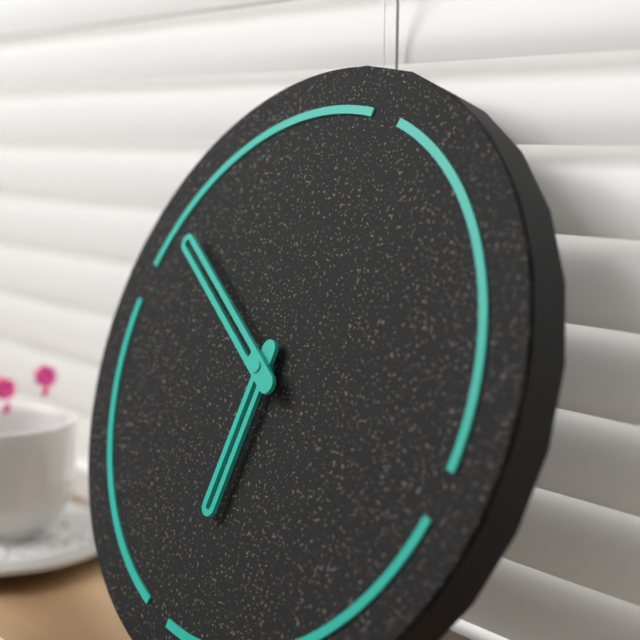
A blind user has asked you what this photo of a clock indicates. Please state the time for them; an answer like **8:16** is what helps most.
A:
**5:48**
